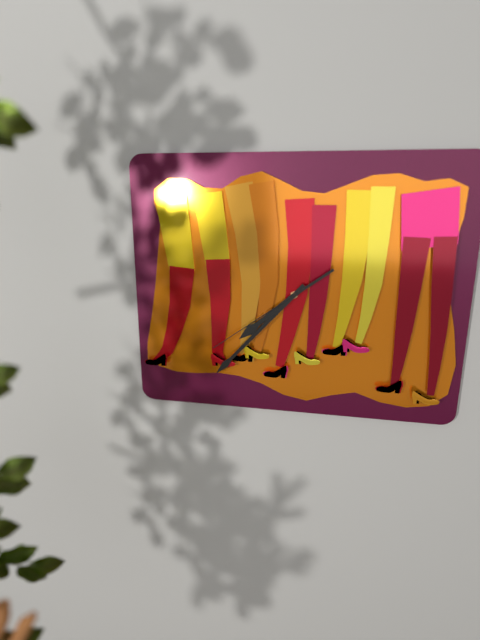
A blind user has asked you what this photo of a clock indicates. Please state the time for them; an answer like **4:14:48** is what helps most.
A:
**7:37:39**
